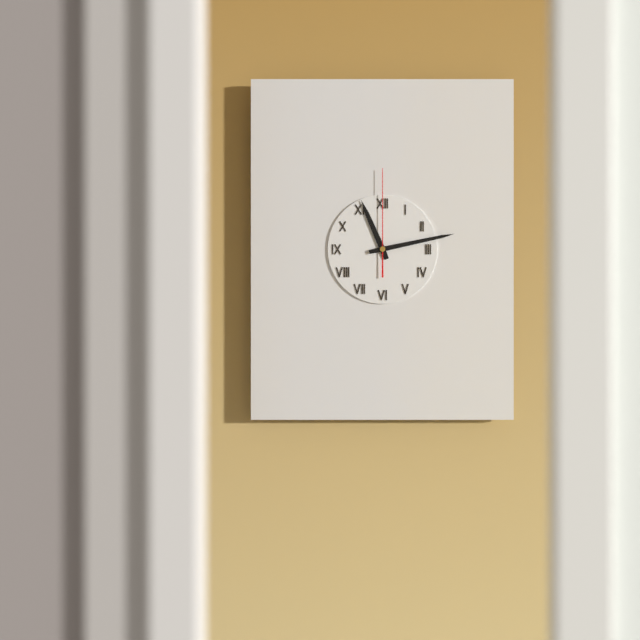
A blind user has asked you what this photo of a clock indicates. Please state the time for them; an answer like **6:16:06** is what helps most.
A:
**11:13:00**
